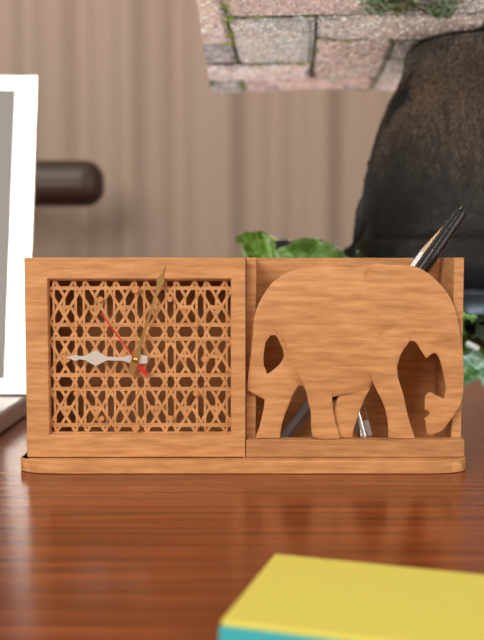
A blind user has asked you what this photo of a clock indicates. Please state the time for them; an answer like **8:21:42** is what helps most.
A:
**9:03:54**
